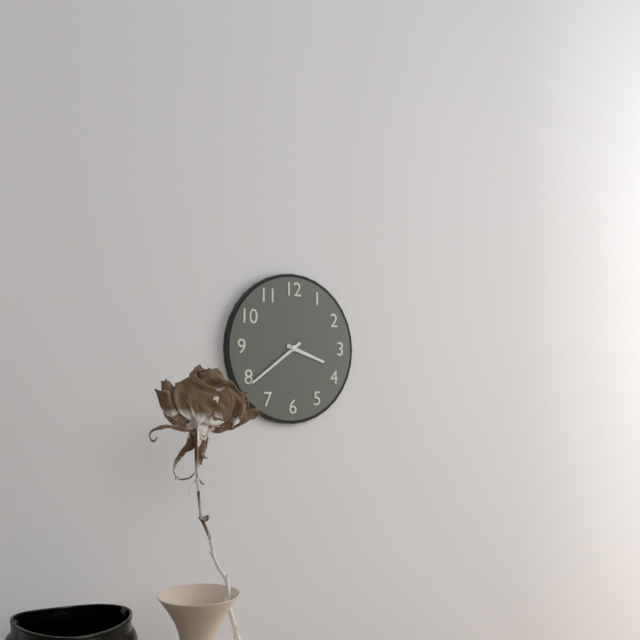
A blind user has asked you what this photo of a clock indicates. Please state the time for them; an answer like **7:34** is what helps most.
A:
**3:39**
